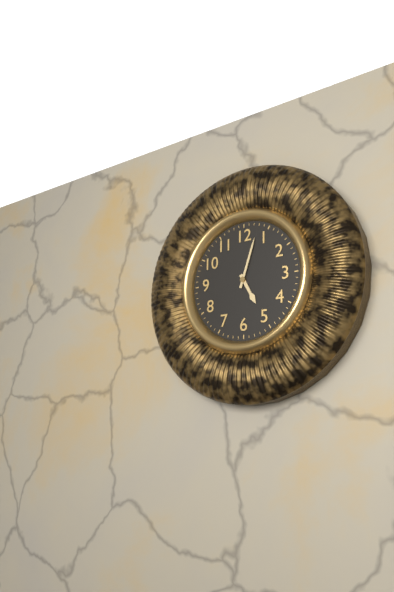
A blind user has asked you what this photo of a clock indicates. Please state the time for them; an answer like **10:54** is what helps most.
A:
**5:03**
